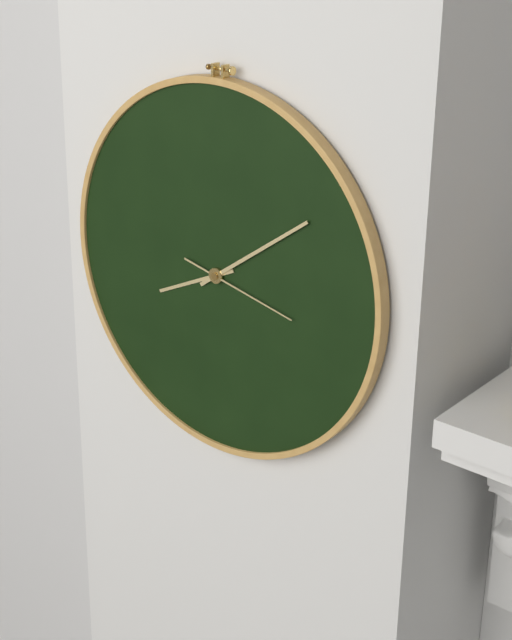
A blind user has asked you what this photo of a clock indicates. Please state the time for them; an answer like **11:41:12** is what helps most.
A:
**8:09:17**
